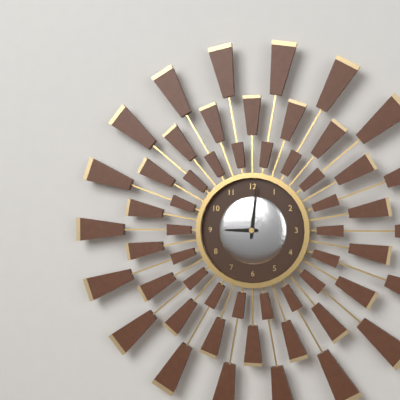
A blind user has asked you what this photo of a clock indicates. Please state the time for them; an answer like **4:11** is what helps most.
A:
**9:01**
